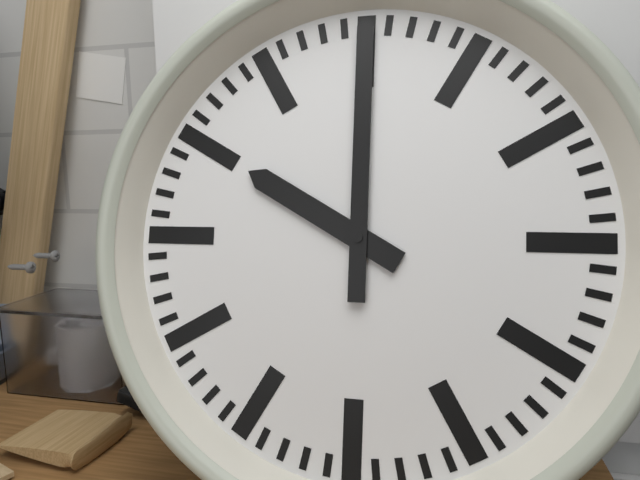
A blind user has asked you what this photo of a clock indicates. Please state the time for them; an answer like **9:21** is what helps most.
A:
**10:00**
